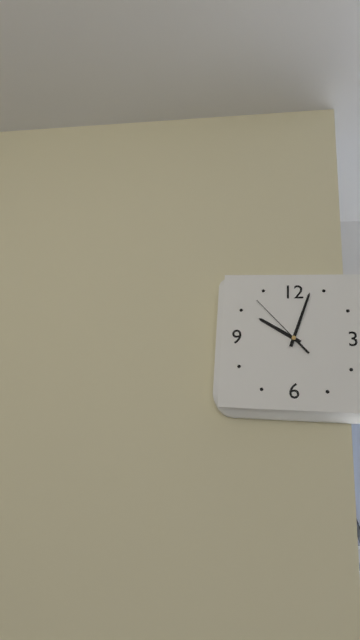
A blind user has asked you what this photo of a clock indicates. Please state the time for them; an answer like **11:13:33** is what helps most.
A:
**10:03:53**
